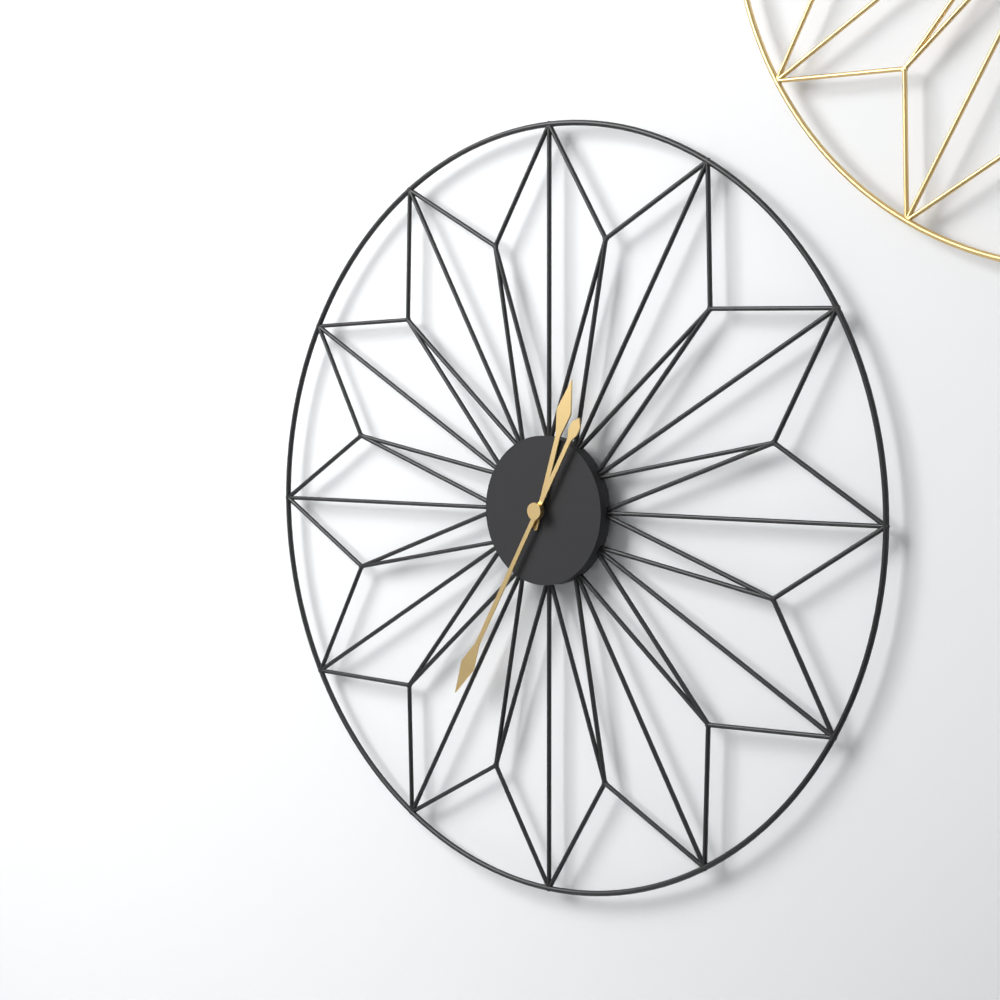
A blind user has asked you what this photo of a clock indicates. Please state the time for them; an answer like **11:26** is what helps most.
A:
**12:35**
